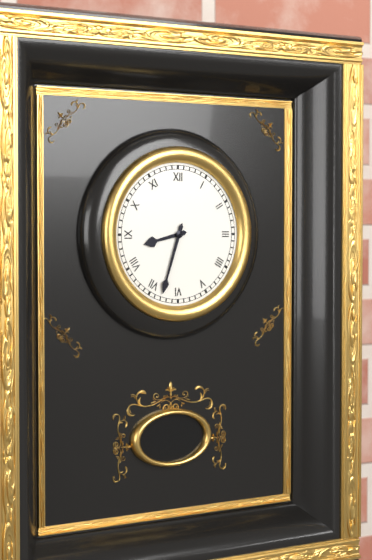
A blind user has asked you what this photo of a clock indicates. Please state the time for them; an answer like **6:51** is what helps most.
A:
**8:33**
